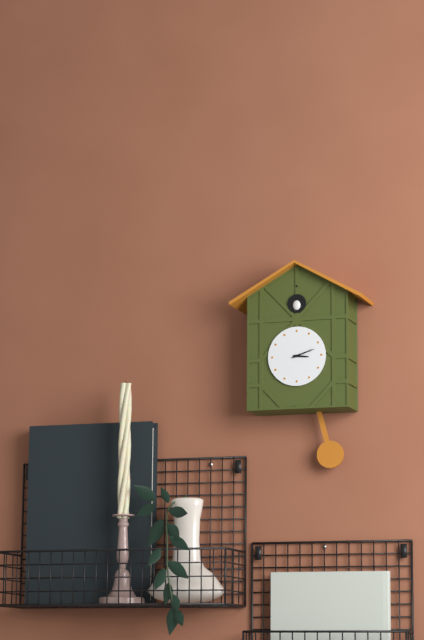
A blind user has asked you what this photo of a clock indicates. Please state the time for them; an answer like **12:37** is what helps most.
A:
**3:12**
